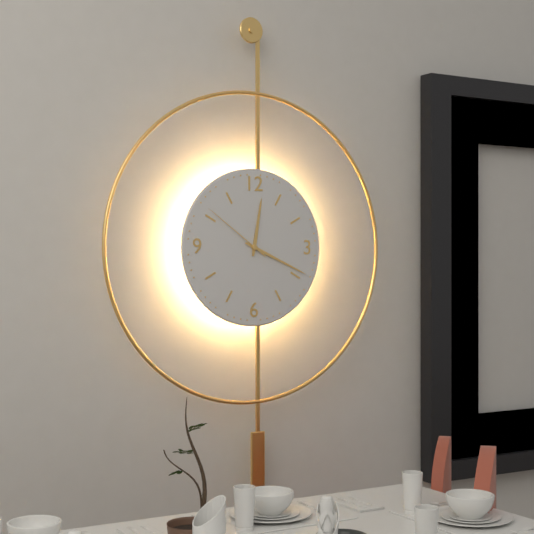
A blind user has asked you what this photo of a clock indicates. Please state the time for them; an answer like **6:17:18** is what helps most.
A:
**12:19:51**
